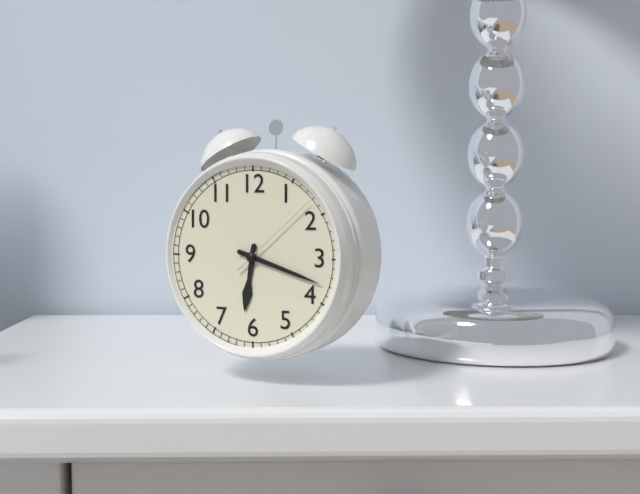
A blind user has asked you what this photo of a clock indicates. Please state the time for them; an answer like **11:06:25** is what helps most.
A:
**6:18:08**
